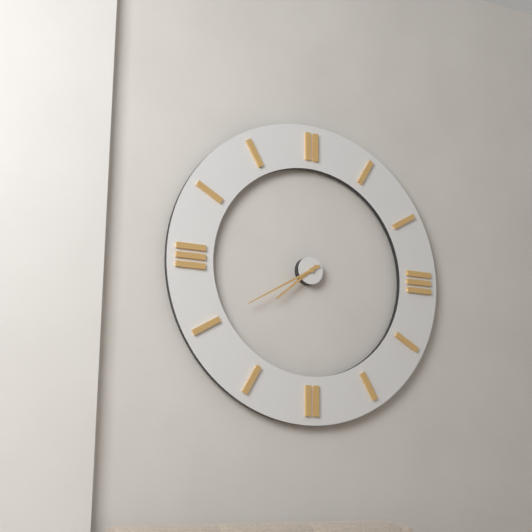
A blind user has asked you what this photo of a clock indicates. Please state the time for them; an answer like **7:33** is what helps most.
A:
**7:40**
